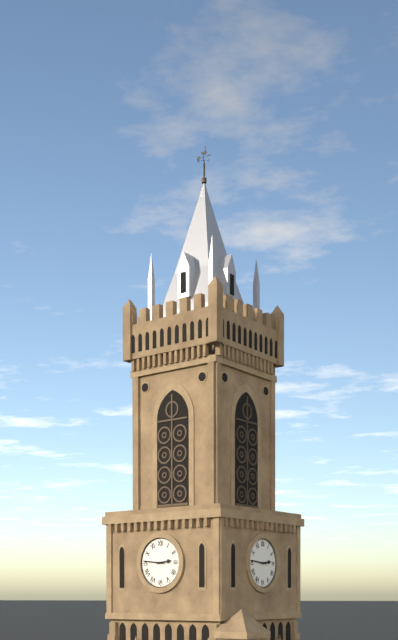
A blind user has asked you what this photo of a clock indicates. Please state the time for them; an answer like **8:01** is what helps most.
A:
**2:46**
